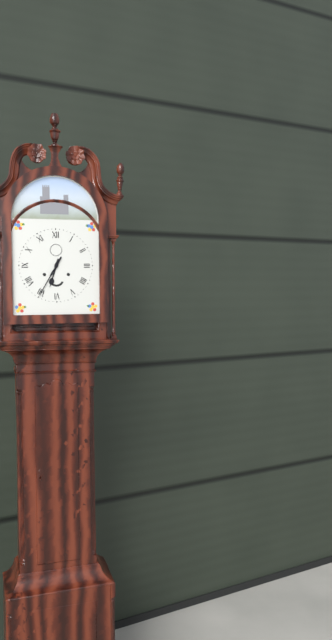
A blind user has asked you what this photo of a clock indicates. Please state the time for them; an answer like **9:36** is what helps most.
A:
**6:35**
